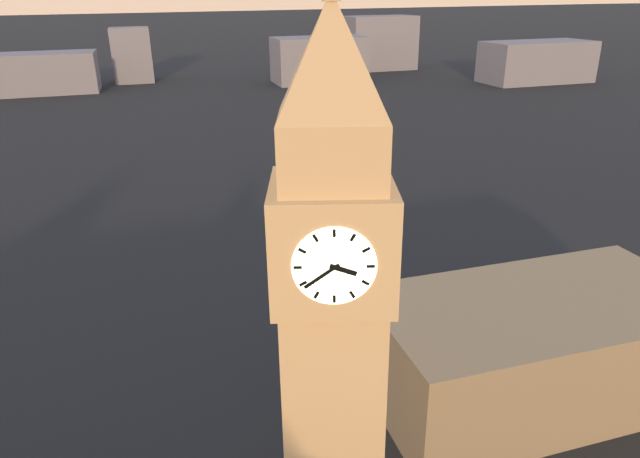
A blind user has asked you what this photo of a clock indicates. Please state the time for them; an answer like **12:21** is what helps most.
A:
**3:39**
